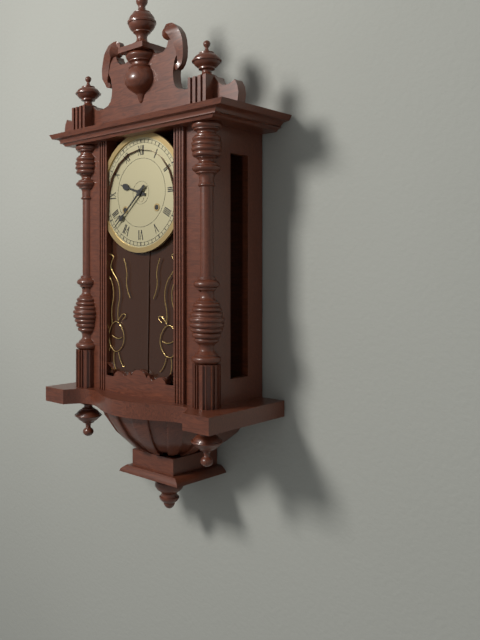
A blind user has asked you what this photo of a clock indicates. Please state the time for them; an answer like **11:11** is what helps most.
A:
**9:38**
